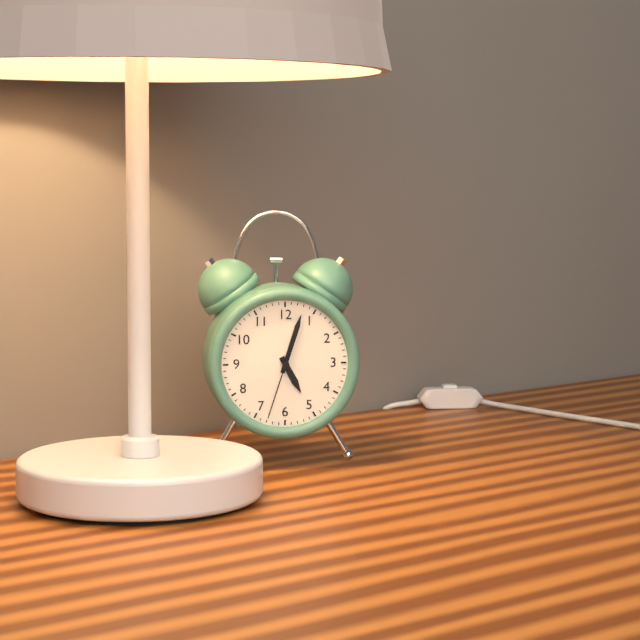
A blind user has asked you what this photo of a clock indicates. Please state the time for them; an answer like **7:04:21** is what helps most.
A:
**5:03:33**
